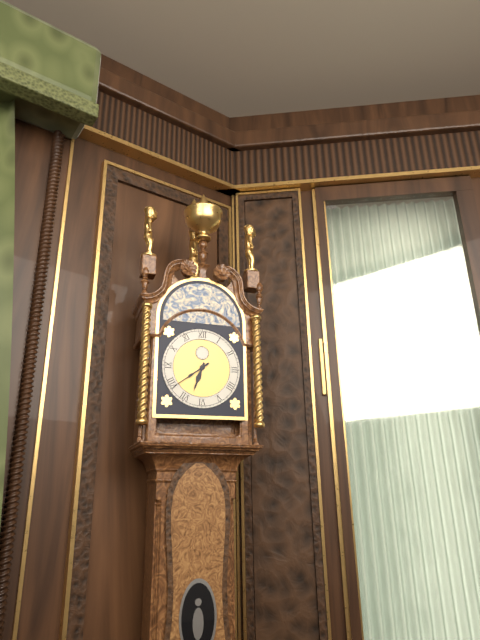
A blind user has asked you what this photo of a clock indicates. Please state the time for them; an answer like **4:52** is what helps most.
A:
**6:39**
